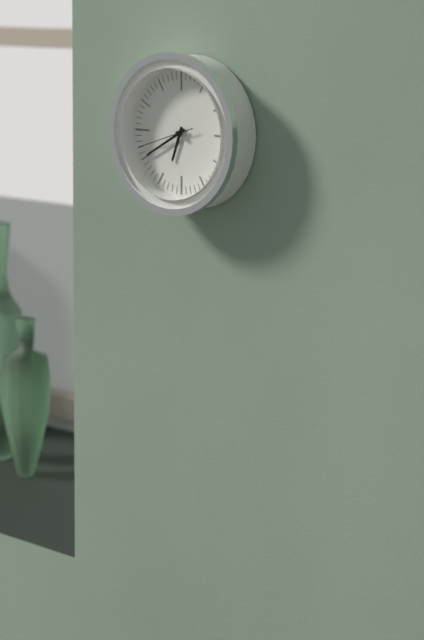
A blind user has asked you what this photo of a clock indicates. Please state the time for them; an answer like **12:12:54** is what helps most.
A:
**6:40:42**
